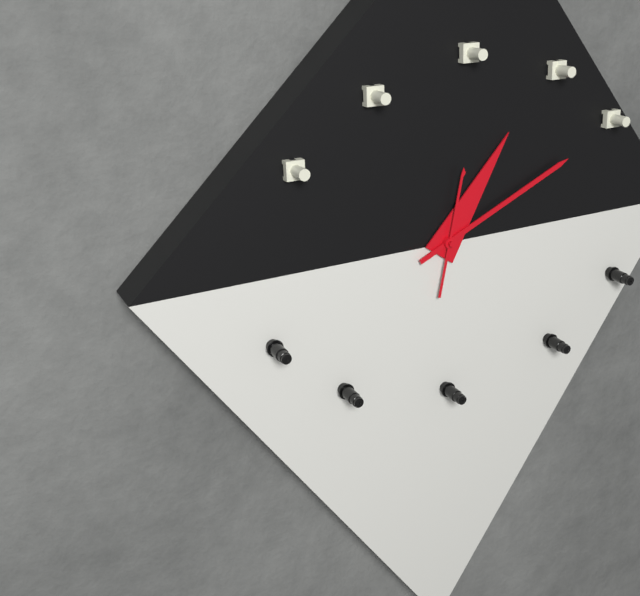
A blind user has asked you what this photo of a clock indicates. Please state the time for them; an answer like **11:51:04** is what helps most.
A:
**1:11:02**
